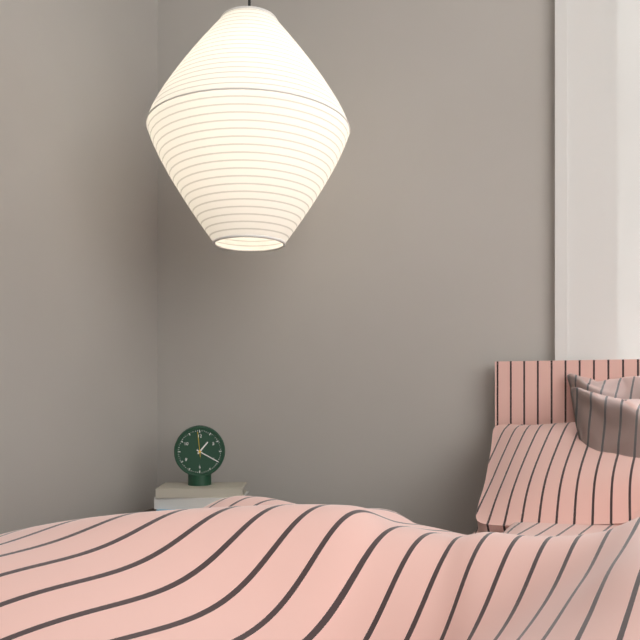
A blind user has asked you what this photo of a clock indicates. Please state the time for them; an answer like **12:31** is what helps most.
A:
**1:20**
